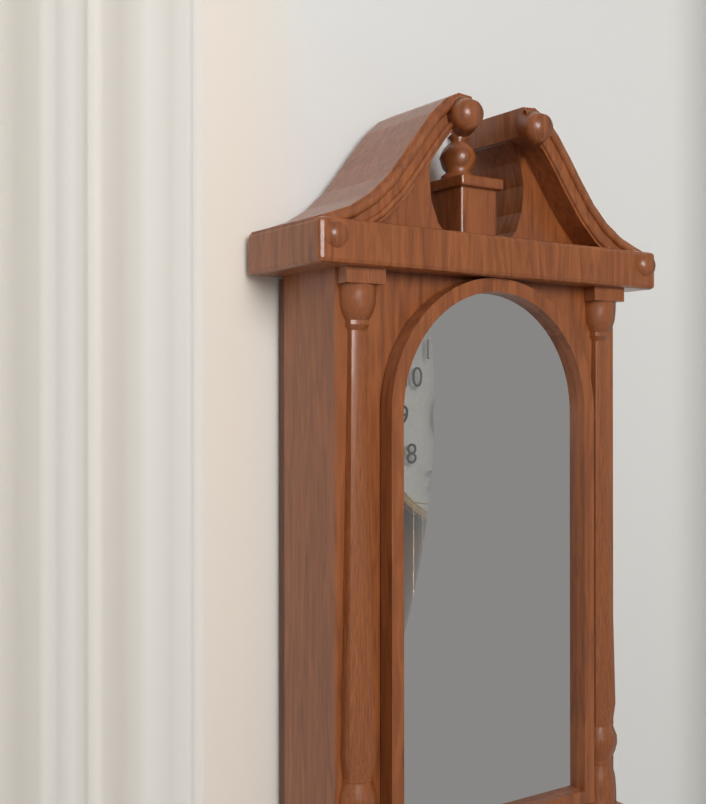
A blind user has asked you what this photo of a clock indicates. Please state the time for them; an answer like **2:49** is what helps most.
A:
**5:26**
